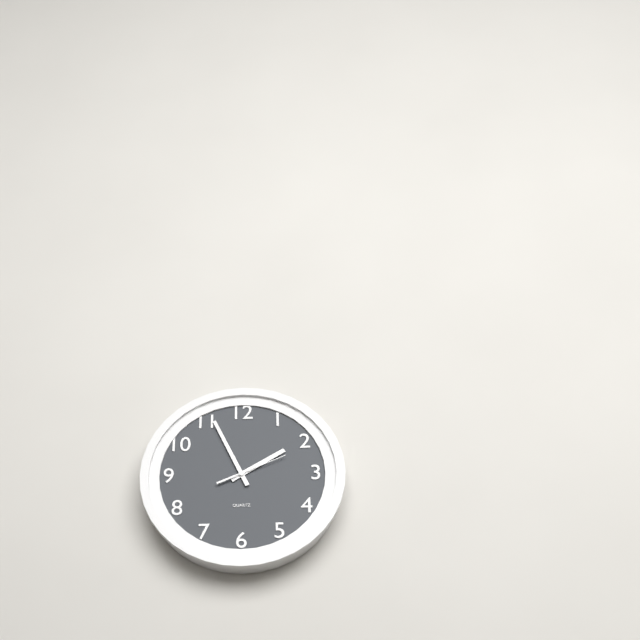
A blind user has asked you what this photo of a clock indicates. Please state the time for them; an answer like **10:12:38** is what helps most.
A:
**1:56:11**
